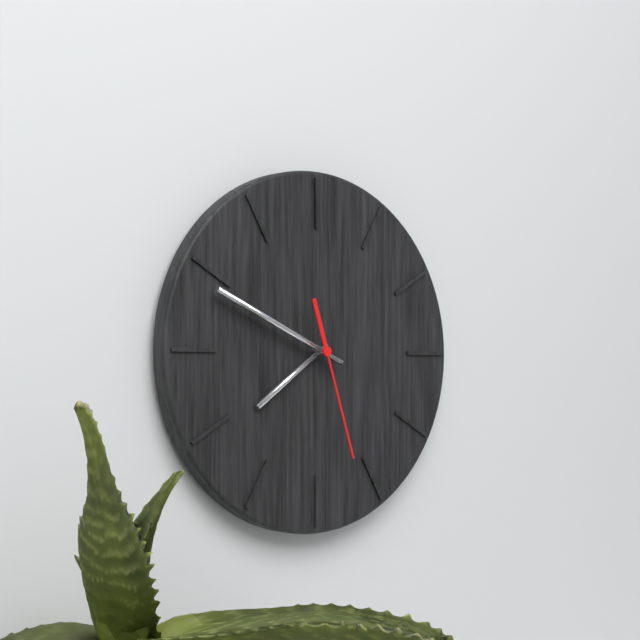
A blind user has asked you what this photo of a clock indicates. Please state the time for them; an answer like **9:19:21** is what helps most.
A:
**7:49:27**
